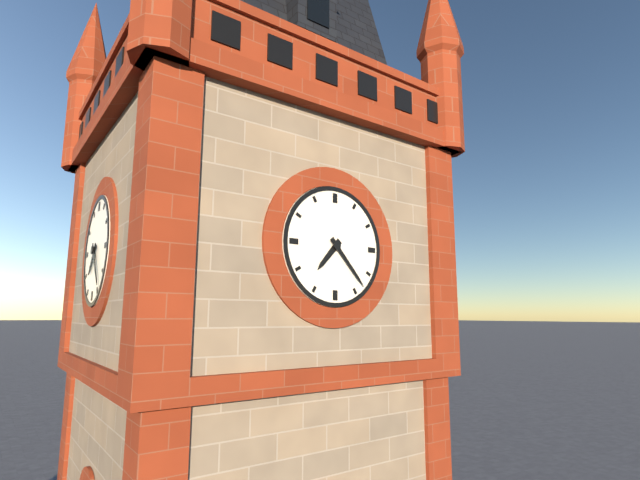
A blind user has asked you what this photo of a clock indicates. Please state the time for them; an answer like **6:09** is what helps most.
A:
**7:23**
